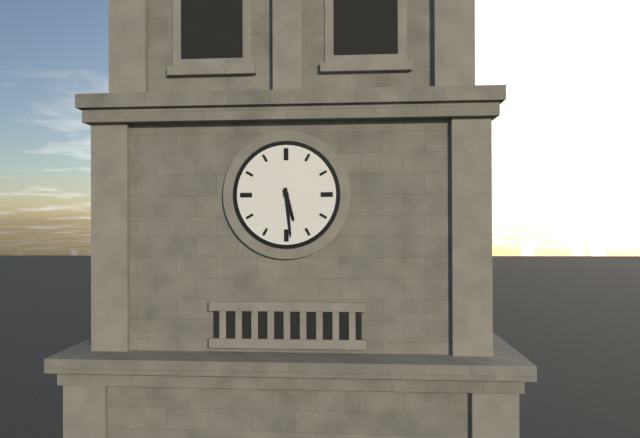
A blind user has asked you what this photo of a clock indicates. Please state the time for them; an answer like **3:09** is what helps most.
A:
**5:29**
